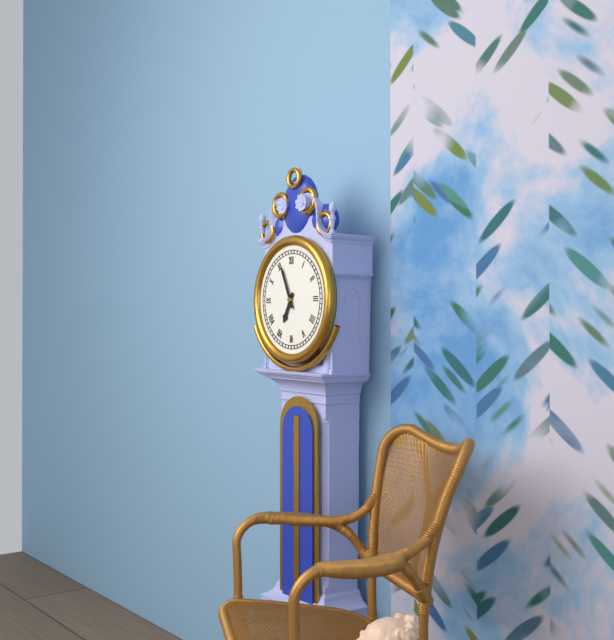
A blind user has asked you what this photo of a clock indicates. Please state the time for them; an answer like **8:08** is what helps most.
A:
**6:56**
